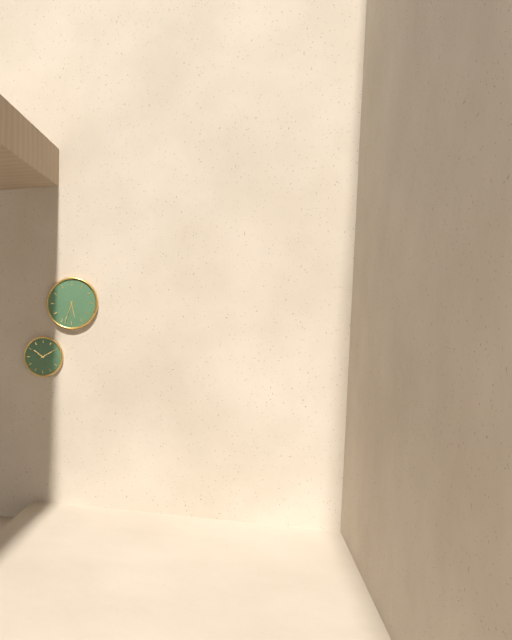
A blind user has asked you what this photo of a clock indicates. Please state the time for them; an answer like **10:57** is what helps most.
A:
**5:33**
